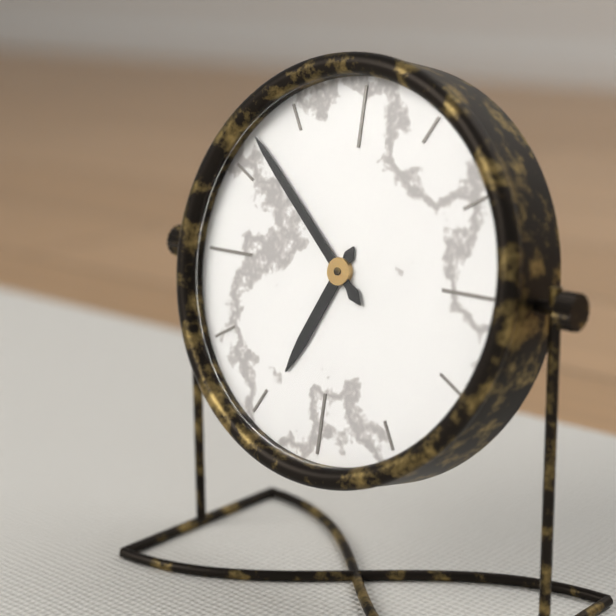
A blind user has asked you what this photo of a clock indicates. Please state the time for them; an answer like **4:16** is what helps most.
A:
**6:52**
